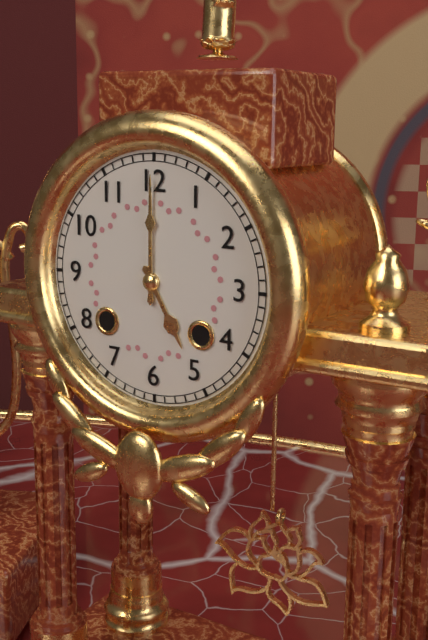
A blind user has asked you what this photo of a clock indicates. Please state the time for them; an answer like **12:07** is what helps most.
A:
**5:00**
